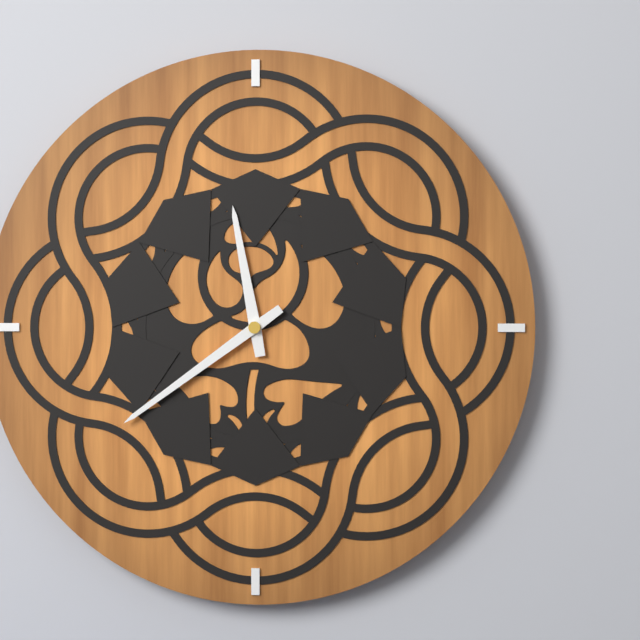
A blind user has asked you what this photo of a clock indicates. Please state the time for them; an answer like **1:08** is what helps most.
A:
**11:39**
